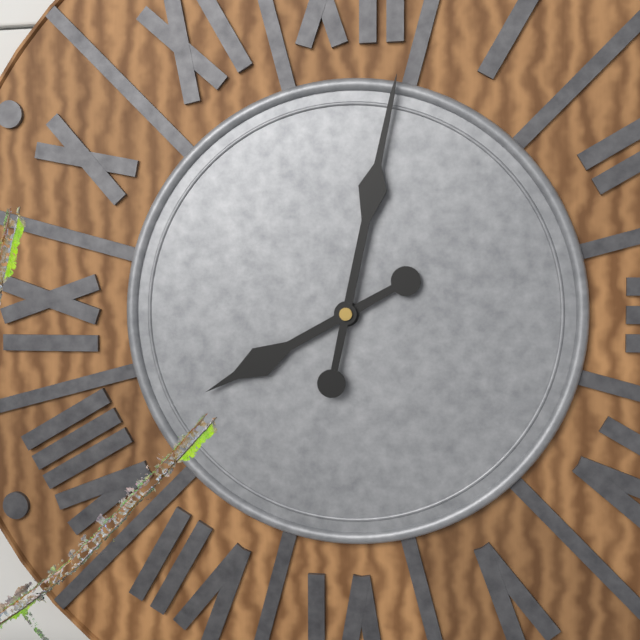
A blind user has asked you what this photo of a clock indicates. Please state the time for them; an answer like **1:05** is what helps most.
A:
**8:02**
